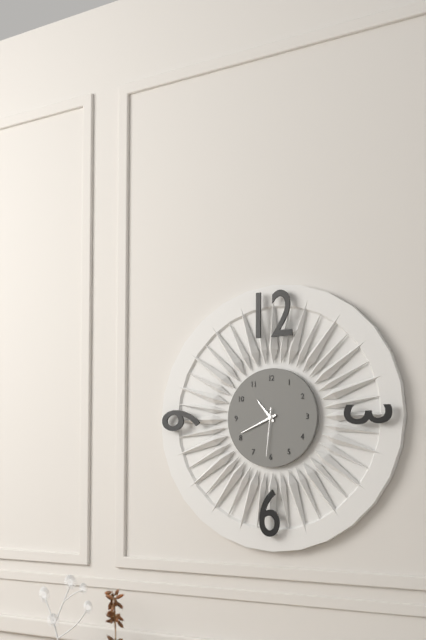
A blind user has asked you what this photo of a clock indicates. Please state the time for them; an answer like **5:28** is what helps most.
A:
**10:41**
